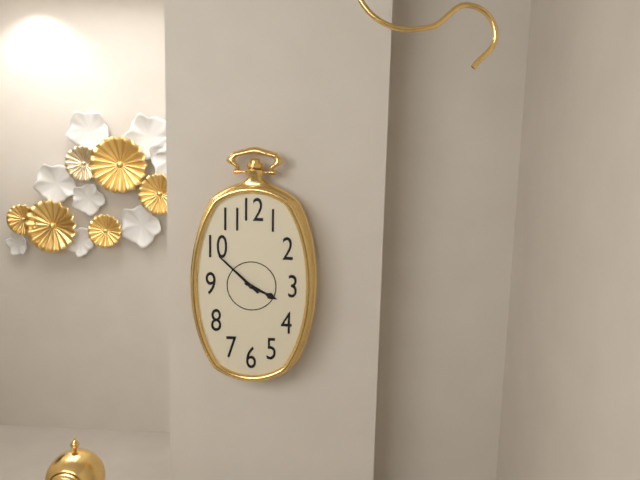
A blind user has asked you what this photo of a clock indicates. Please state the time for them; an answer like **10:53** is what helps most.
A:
**3:52**
